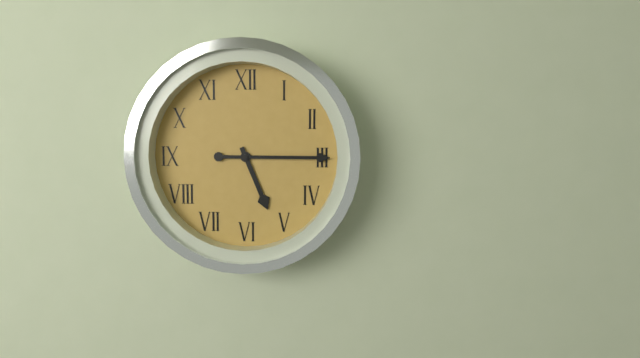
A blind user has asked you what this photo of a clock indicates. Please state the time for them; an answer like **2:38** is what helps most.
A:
**5:15**
